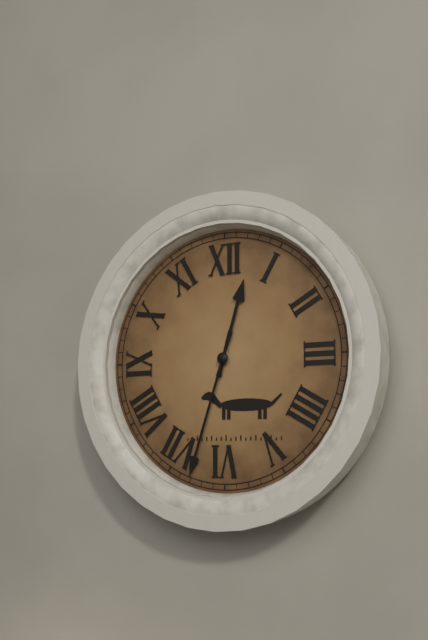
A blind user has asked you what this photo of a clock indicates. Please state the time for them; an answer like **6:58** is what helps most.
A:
**12:33**
